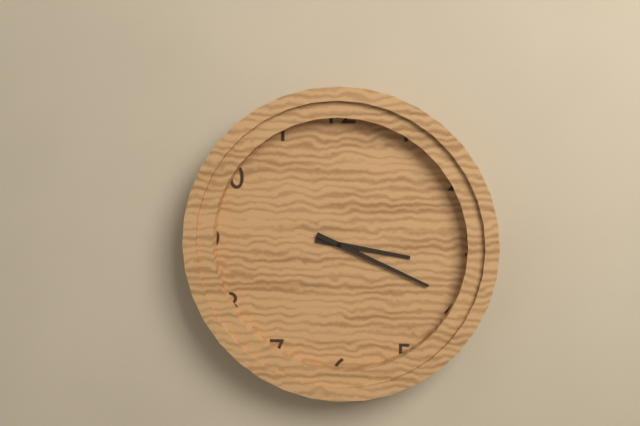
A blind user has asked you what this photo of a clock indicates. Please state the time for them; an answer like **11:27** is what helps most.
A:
**3:19**
